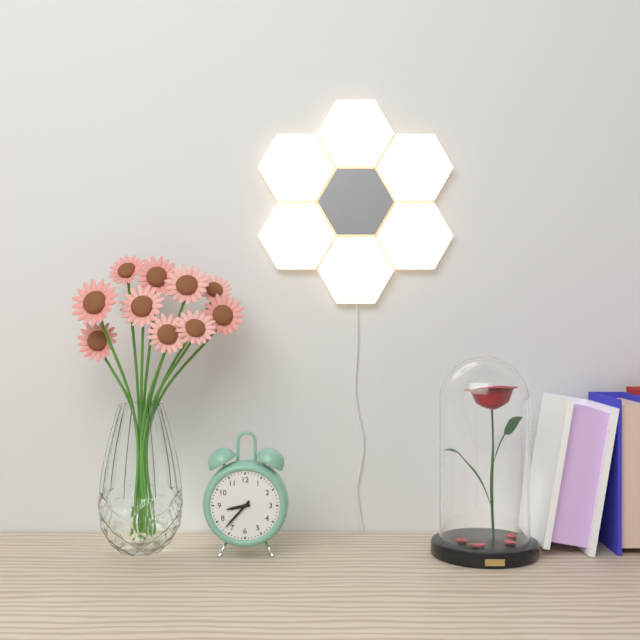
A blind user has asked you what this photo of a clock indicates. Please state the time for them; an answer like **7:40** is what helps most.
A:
**8:37**
